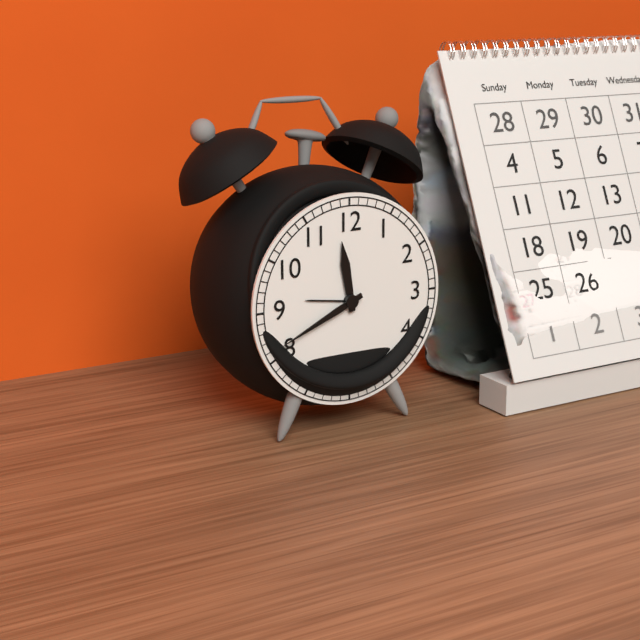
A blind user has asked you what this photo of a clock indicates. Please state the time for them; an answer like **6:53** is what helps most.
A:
**11:41**
